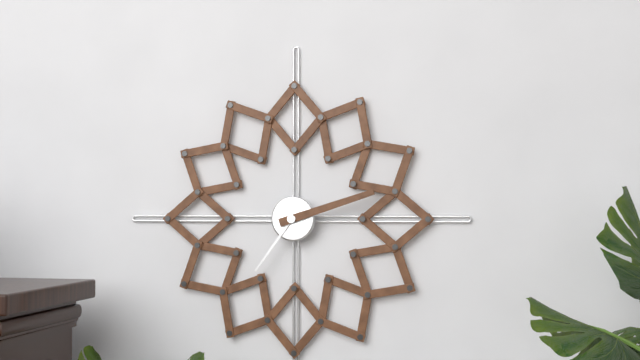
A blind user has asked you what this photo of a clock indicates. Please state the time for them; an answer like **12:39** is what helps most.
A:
**7:12**
